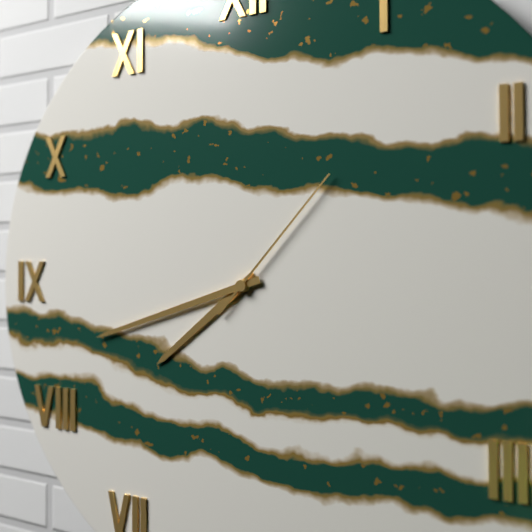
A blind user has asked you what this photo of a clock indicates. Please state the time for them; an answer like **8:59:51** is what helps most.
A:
**7:42:07**
